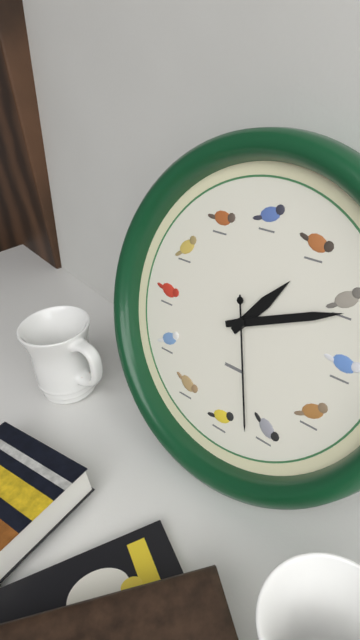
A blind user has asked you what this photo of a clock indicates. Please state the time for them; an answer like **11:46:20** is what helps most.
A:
**1:11:27**
